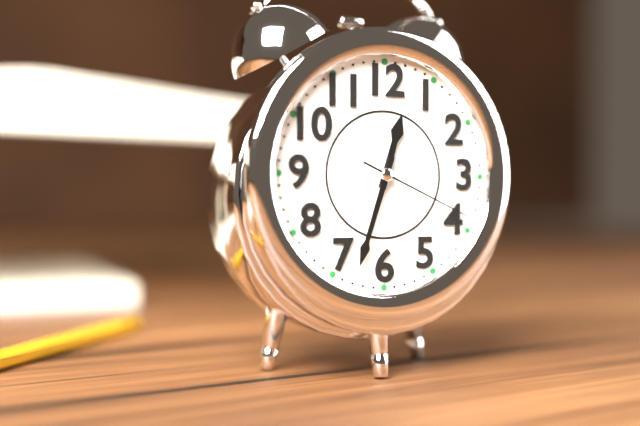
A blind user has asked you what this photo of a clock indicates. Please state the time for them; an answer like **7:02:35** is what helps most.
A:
**12:33:19**
